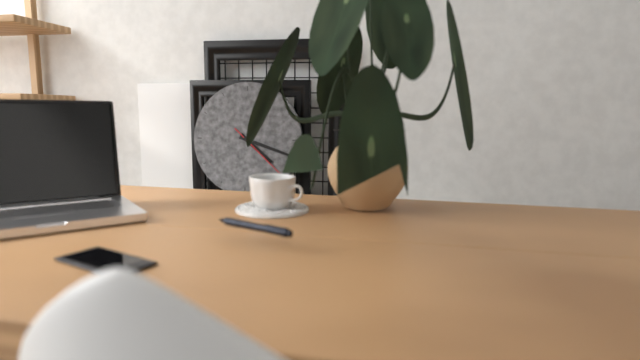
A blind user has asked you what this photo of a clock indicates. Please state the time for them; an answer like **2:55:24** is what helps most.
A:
**4:18:22**
